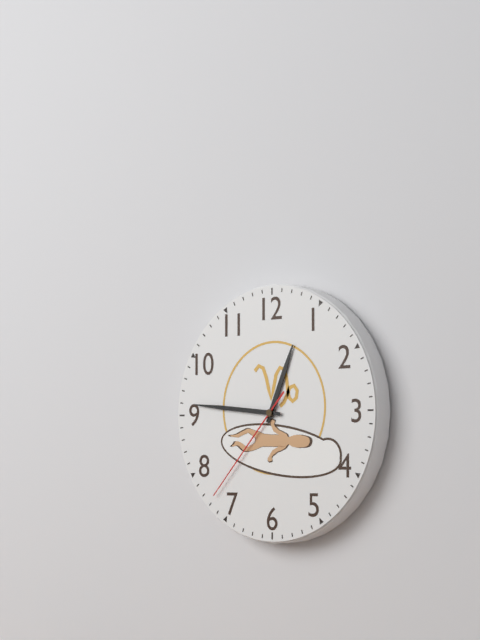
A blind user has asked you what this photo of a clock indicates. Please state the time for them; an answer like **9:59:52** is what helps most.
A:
**12:46:37**
